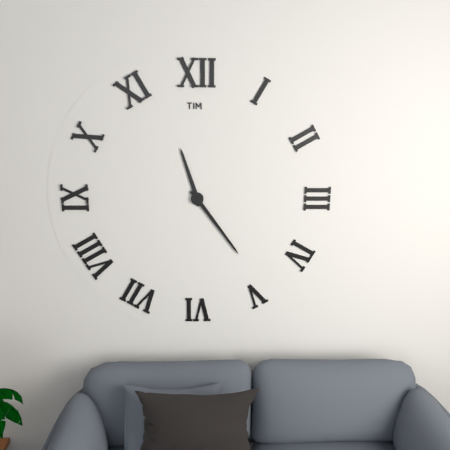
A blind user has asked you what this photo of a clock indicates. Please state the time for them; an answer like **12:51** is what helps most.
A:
**11:24**
